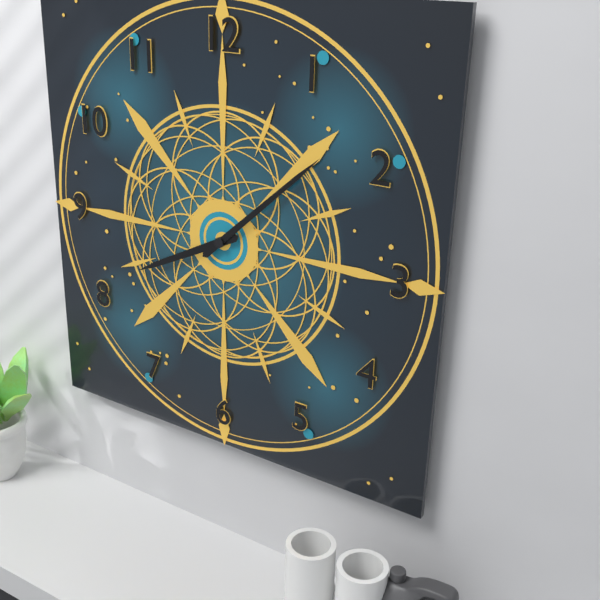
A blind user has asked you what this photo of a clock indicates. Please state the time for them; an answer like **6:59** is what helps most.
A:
**8:08**
